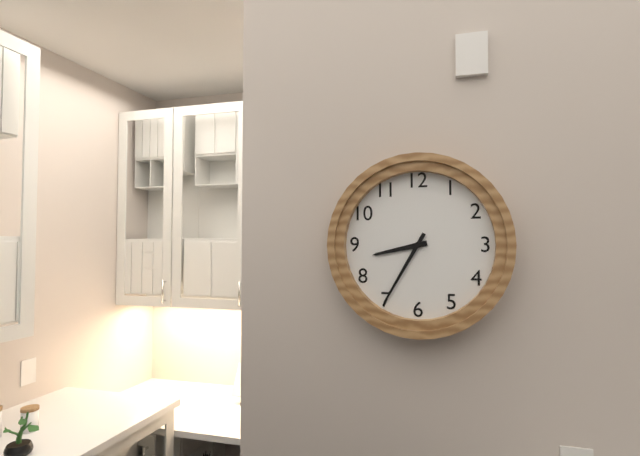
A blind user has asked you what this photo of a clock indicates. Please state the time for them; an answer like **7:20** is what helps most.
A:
**8:35**
